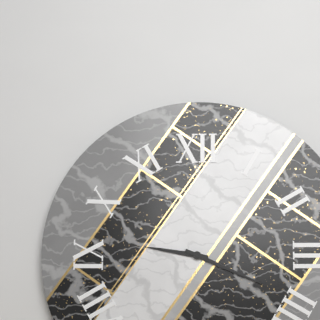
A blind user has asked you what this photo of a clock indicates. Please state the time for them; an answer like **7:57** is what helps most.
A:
**9:19**
